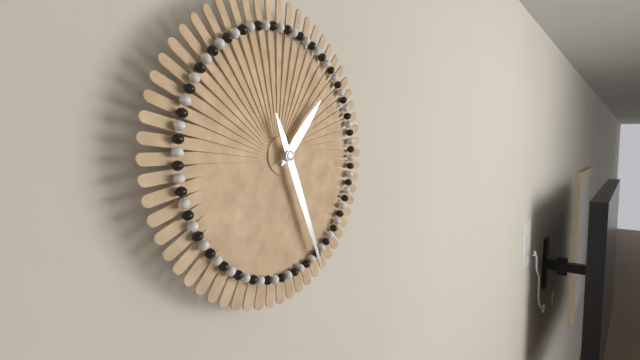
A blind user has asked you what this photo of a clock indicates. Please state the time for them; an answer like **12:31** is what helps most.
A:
**1:26**
